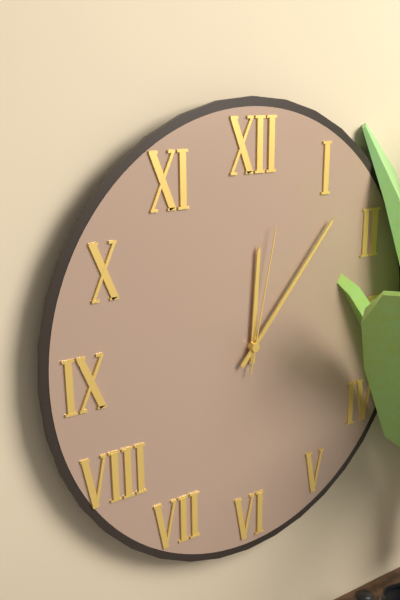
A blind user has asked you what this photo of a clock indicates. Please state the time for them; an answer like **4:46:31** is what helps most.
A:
**12:07:02**
